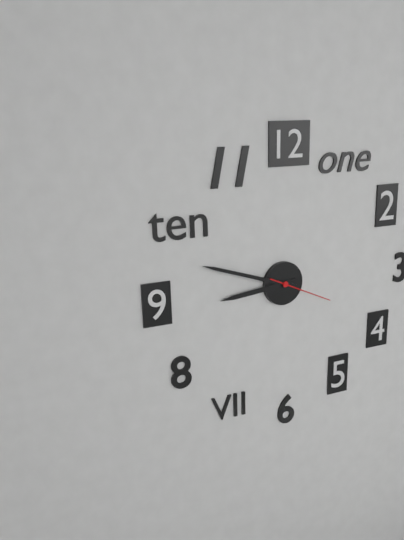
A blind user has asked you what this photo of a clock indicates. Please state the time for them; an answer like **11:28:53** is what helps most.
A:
**8:48:19**
